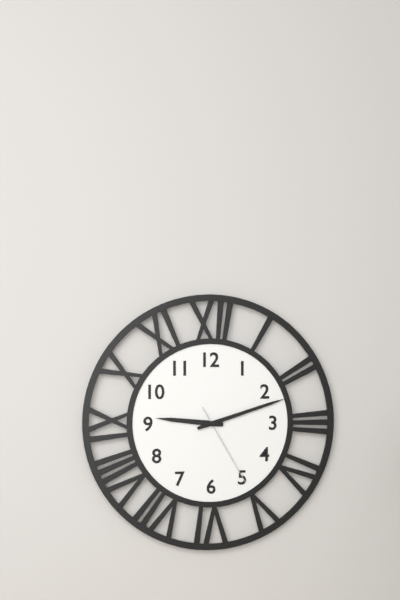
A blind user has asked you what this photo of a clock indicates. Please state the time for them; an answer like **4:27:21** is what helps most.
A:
**9:12:25**
